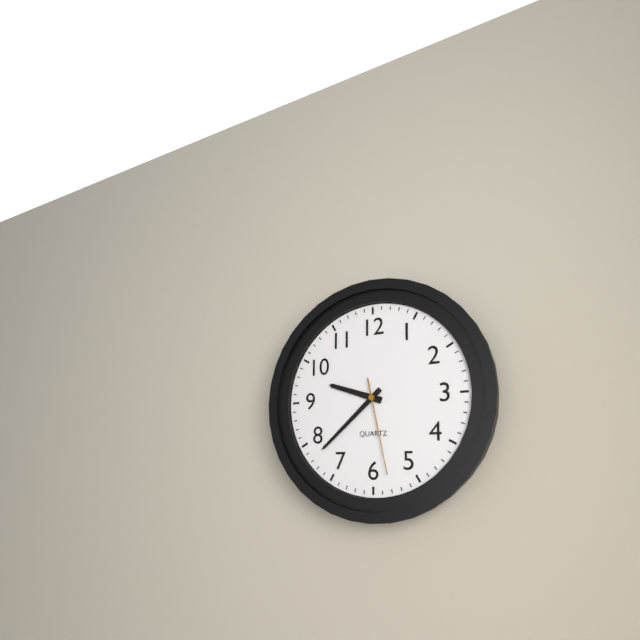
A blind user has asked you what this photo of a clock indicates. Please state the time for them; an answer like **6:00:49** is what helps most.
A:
**9:38:28**
